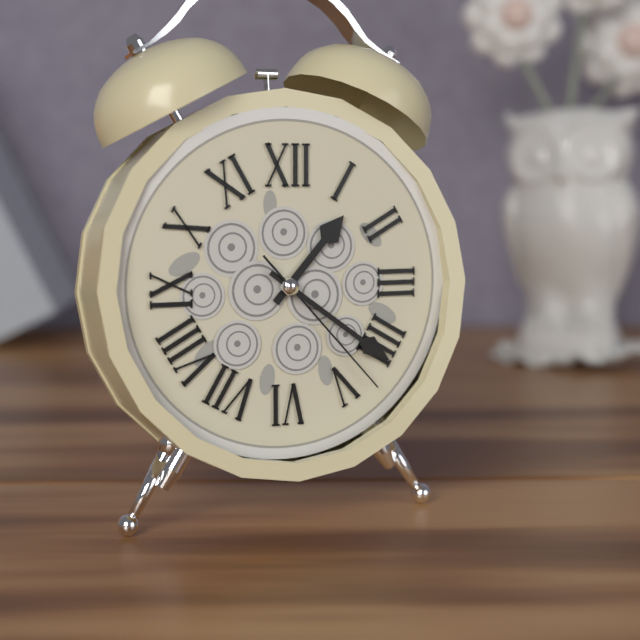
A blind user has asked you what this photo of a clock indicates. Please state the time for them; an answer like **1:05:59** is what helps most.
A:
**1:21:23**
